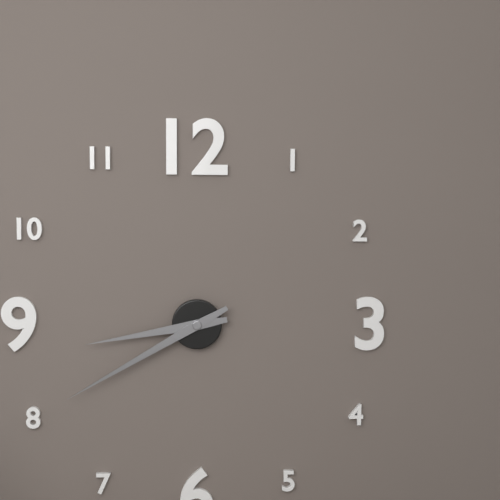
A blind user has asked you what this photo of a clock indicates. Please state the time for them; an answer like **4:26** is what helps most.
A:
**8:40**
